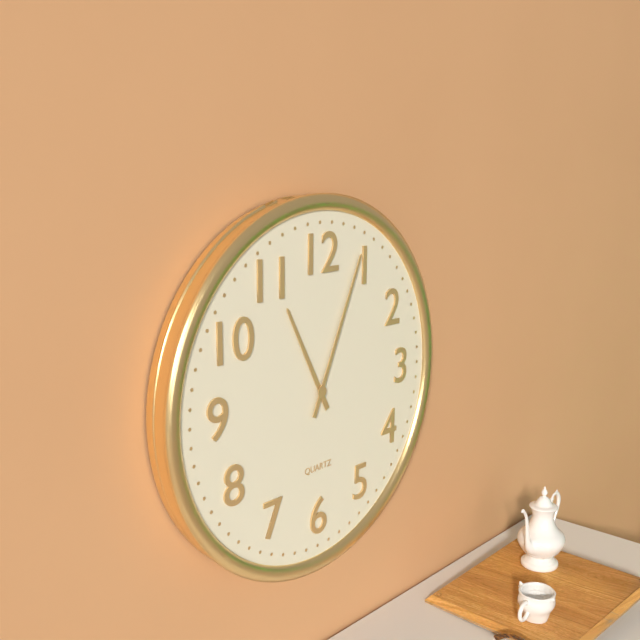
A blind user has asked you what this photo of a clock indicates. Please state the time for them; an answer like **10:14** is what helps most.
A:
**11:04**
